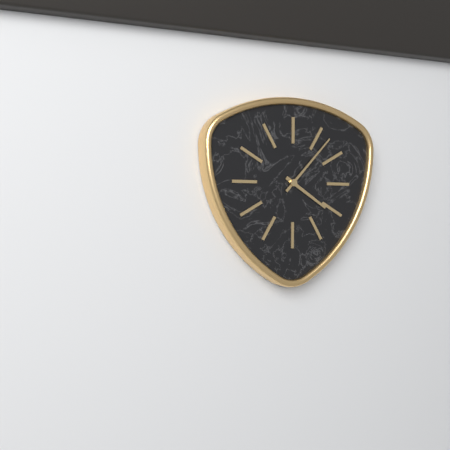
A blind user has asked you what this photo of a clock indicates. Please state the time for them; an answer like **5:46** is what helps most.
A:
**4:07**
